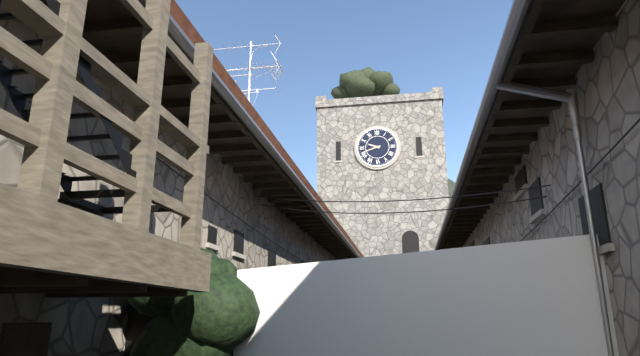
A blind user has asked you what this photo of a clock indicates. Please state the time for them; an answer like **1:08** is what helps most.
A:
**9:42**
